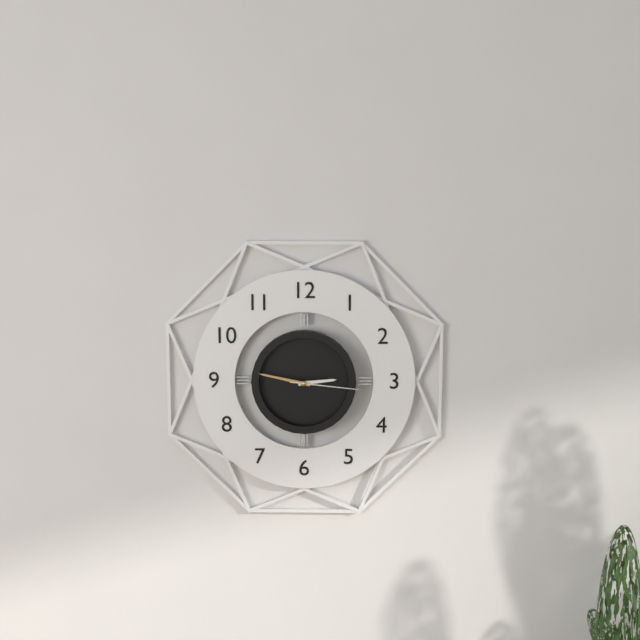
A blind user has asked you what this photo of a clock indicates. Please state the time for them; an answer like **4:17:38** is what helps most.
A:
**2:47:16**
